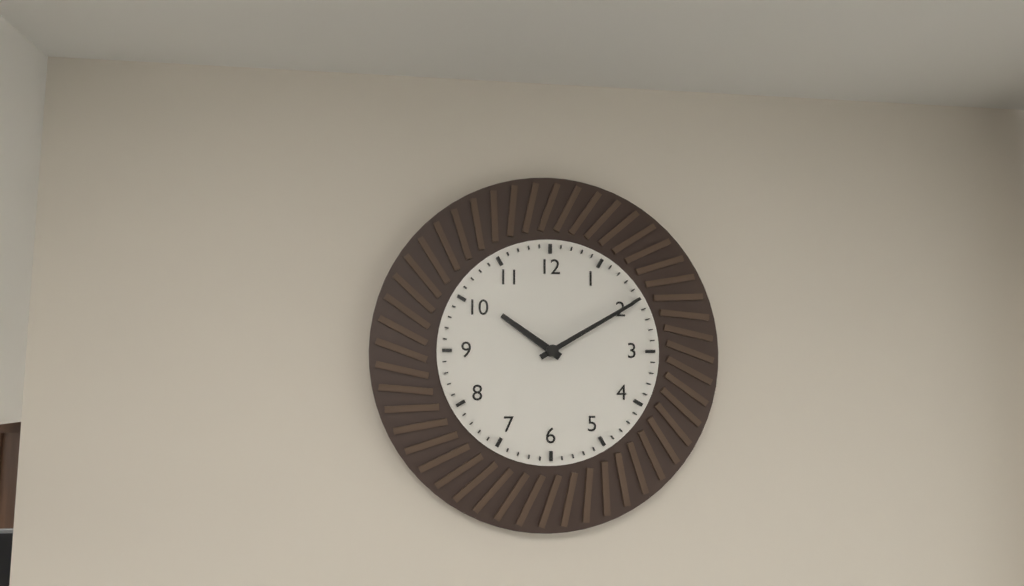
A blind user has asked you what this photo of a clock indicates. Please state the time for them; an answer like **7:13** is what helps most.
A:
**10:10**
